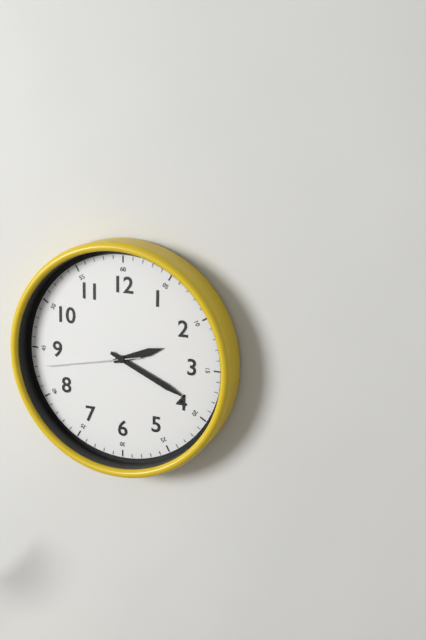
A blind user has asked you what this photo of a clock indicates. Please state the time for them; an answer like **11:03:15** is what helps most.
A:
**2:19:43**
